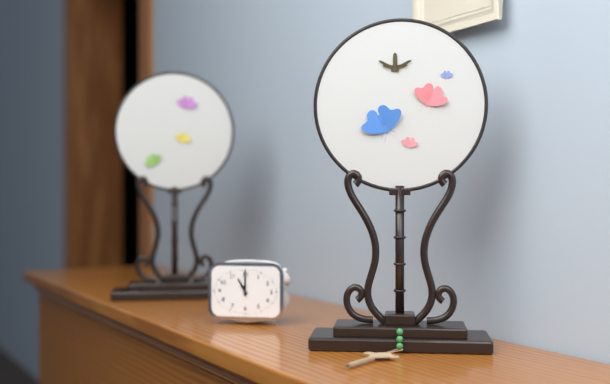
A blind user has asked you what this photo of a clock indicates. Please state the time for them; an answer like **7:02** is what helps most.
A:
**11:00**
